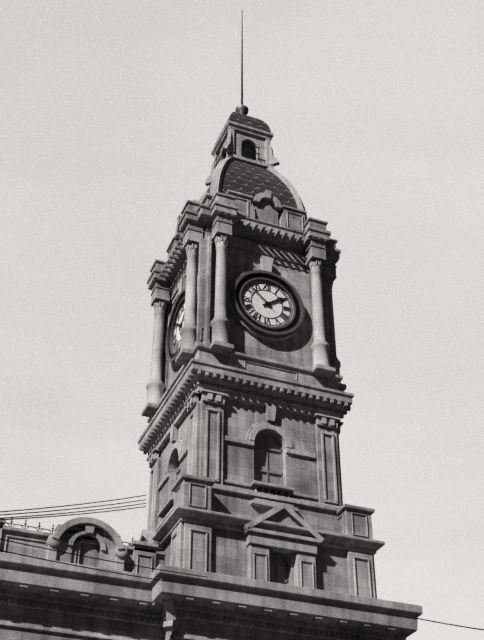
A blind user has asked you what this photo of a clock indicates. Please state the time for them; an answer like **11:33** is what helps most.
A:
**1:52**
